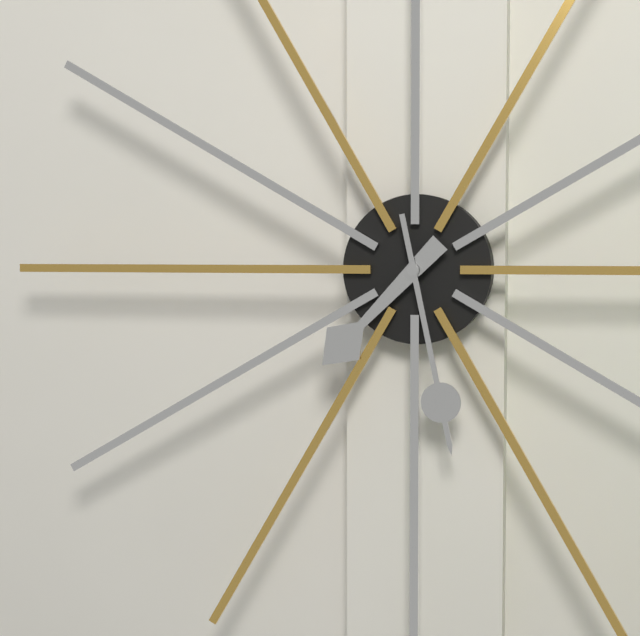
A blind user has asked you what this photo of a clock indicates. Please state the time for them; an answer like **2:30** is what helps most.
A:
**7:28**
